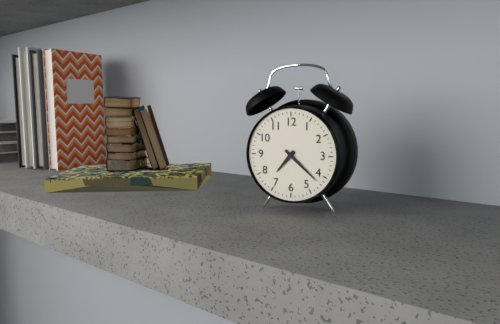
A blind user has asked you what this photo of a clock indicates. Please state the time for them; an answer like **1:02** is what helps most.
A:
**7:22**
